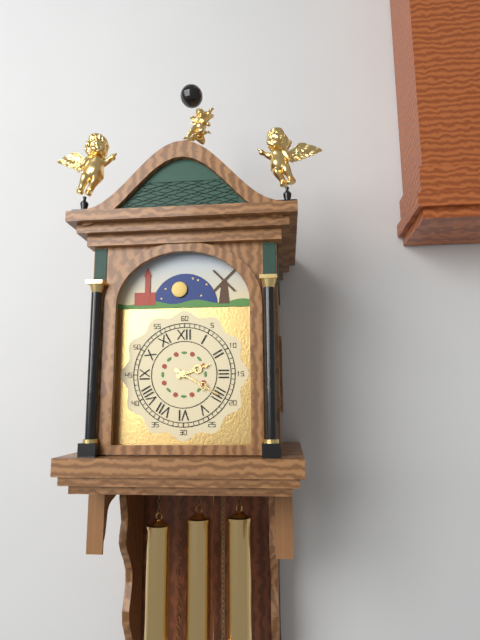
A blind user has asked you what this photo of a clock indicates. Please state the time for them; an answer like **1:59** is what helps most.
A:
**2:20**
